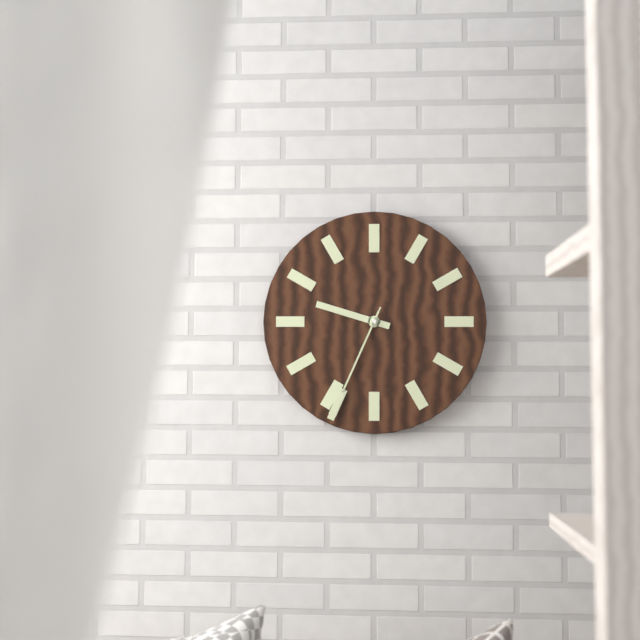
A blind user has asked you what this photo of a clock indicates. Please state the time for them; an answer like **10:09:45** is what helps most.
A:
**9:34:34**
